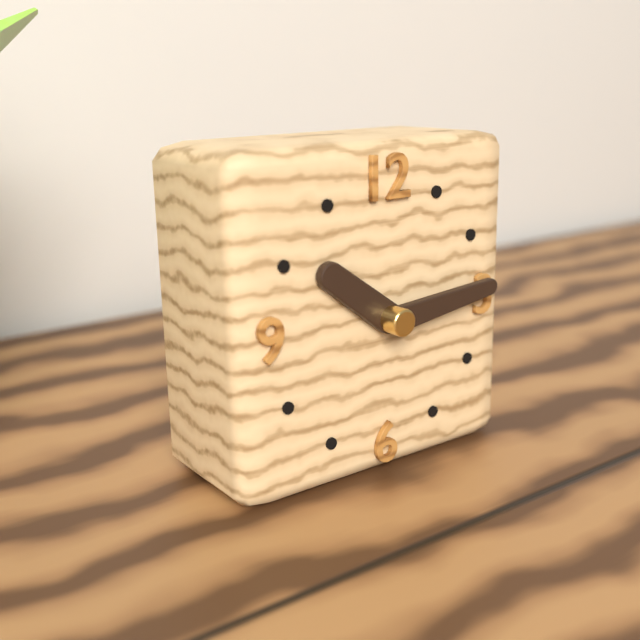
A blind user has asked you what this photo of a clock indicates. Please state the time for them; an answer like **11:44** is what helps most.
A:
**10:14**
